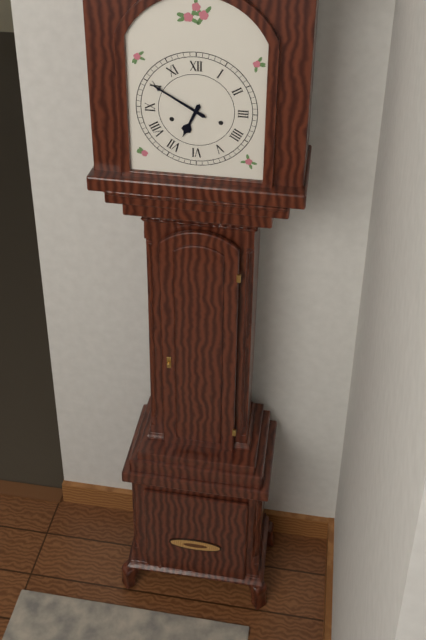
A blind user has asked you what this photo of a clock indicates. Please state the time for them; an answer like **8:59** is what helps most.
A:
**6:50**
